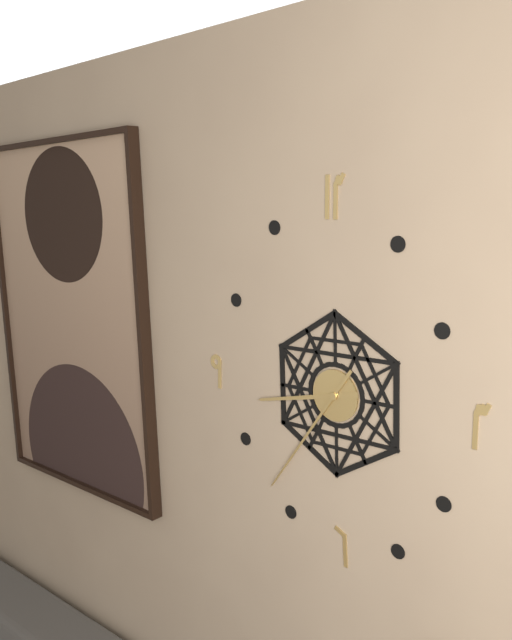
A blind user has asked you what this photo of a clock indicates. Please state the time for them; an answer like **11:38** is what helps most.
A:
**8:36**
